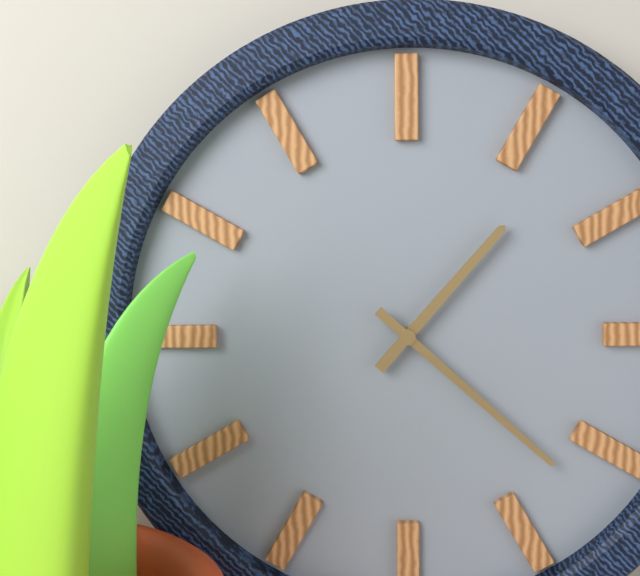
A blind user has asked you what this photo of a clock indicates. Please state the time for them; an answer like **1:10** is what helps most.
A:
**1:22**
